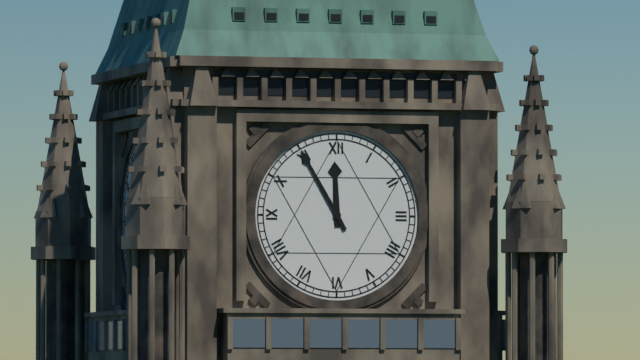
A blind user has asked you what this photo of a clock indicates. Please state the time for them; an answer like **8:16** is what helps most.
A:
**11:55**
